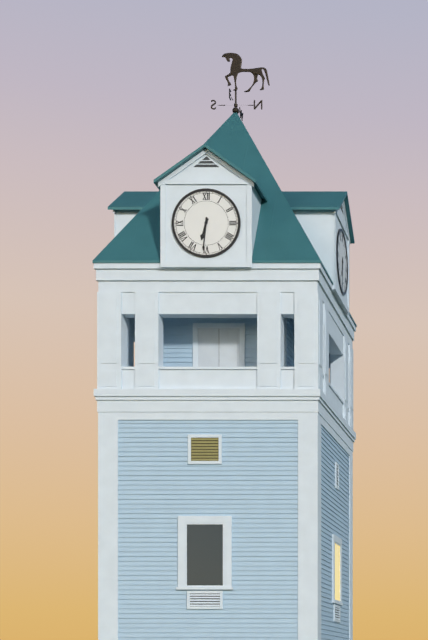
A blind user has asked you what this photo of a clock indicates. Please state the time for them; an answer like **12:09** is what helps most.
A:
**6:31**
